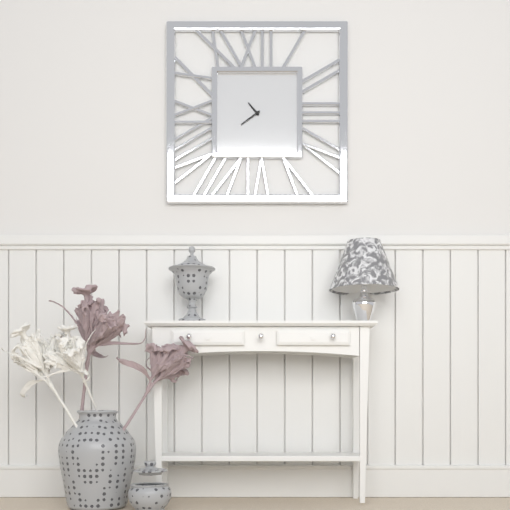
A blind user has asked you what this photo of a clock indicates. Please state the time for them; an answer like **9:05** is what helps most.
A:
**10:39**
